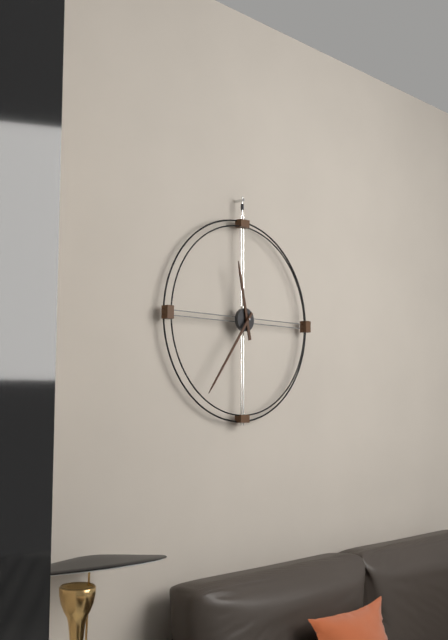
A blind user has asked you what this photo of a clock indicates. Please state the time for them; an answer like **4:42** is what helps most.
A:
**11:36**
